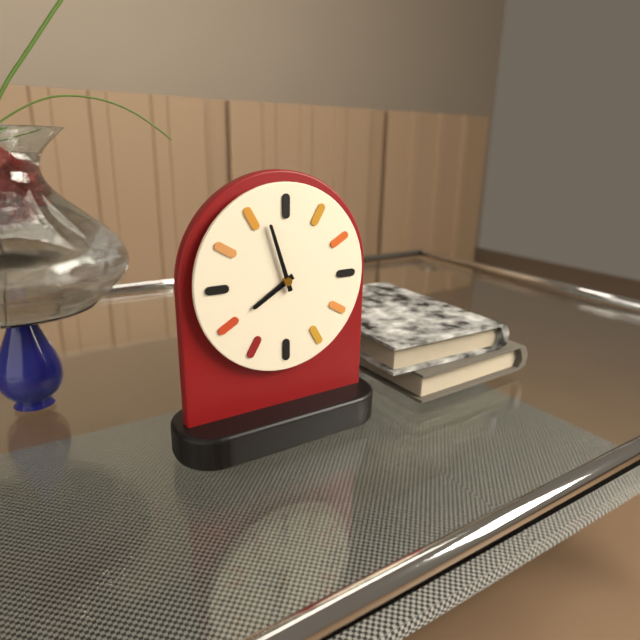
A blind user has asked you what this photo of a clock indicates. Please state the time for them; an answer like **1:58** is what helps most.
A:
**7:57**
